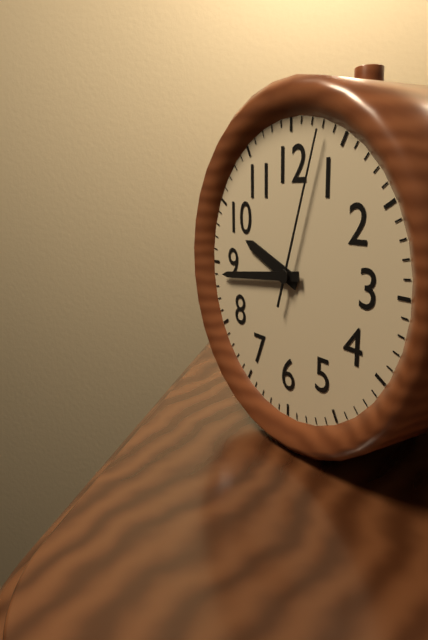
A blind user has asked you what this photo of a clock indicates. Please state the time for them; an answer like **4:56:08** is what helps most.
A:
**9:44:03**
